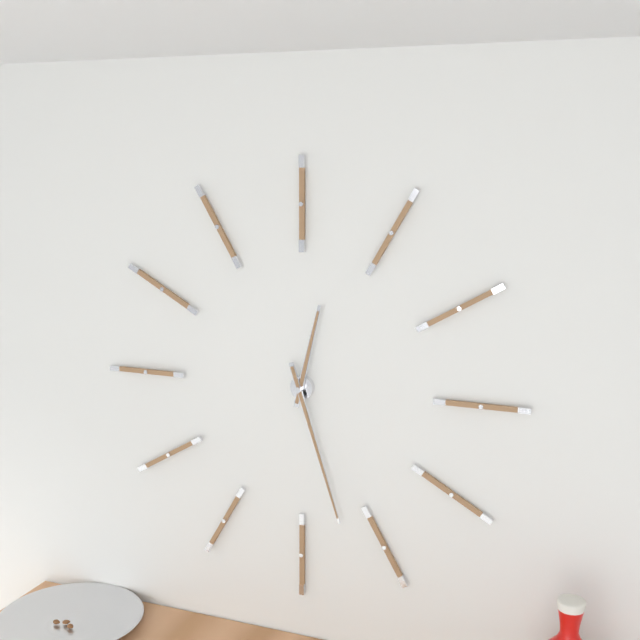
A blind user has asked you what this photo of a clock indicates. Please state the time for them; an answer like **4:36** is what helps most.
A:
**12:27**
